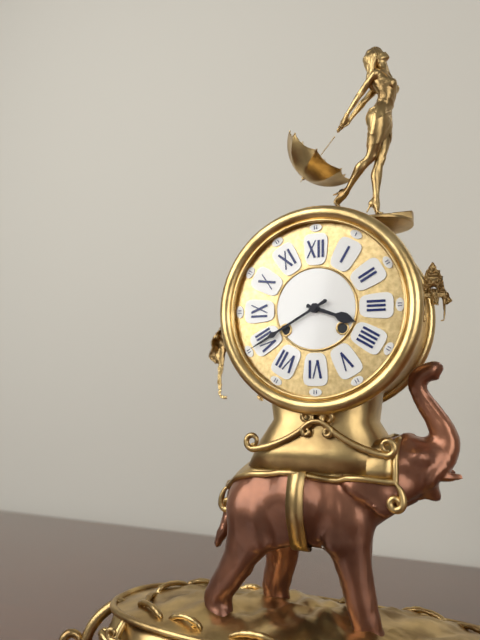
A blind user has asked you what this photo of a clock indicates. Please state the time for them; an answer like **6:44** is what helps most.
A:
**3:40**
